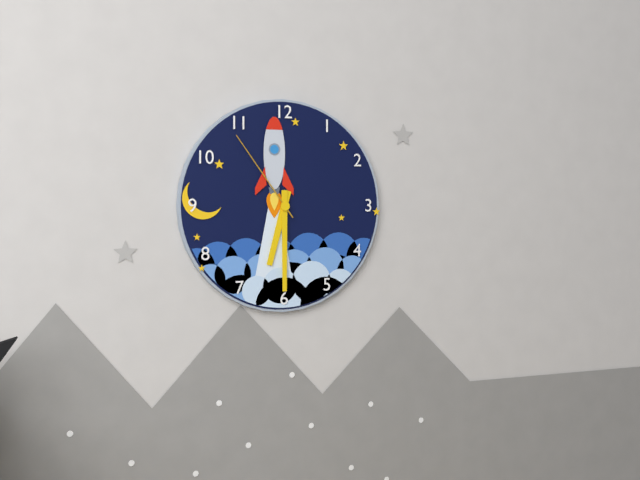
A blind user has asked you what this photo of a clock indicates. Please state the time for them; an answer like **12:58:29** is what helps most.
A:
**6:30:54**
